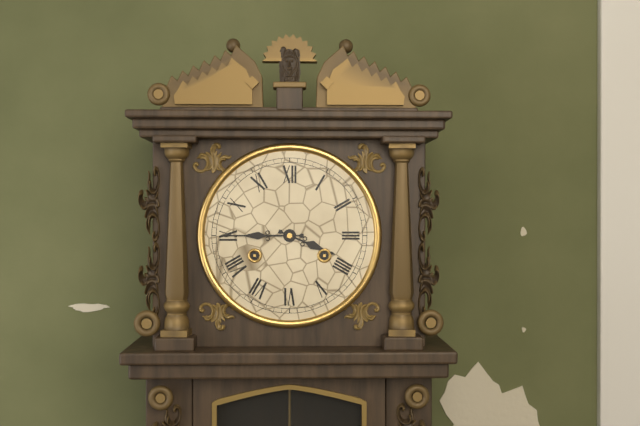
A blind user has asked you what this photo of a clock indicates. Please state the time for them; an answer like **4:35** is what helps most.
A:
**3:45**
